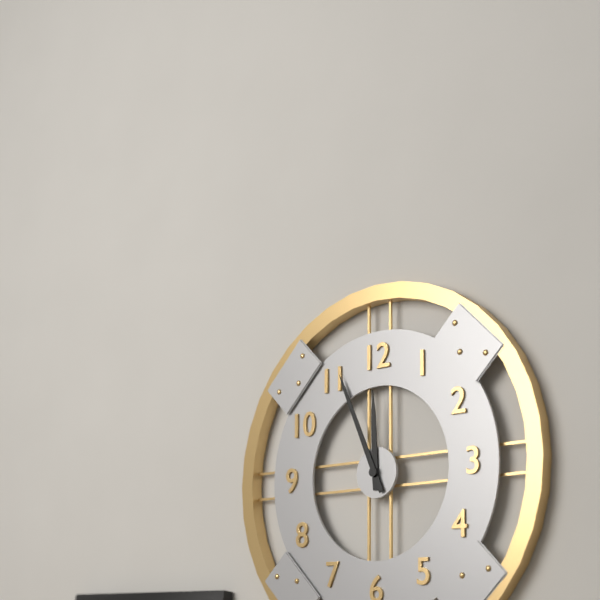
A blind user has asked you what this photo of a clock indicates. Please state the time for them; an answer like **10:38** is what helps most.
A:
**11:56**
